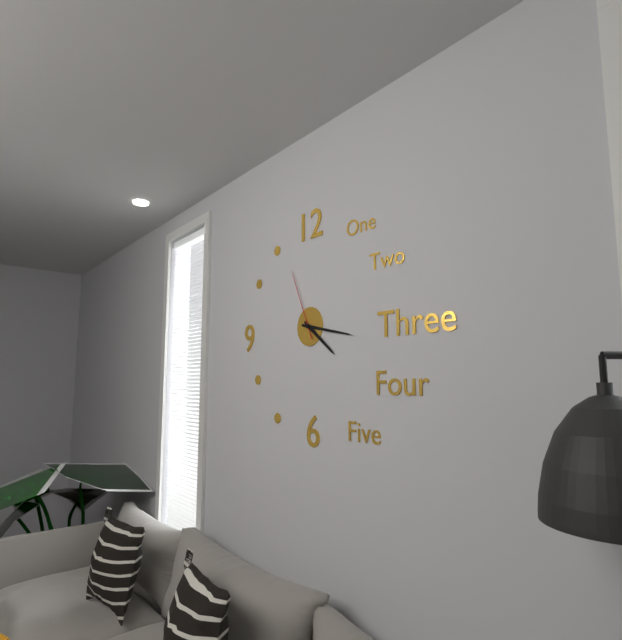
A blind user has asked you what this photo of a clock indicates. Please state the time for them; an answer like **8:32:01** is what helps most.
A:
**4:17:56**
